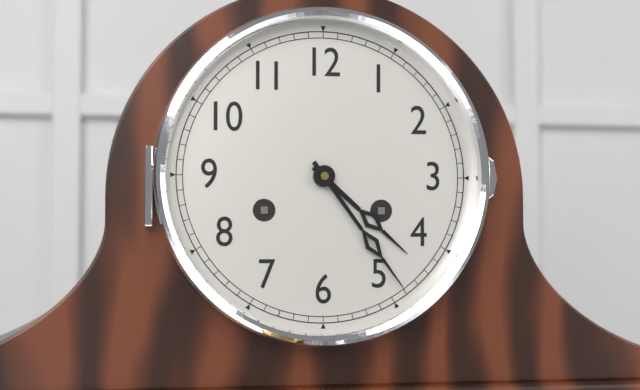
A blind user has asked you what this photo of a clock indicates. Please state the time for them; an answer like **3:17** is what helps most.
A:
**4:24**
